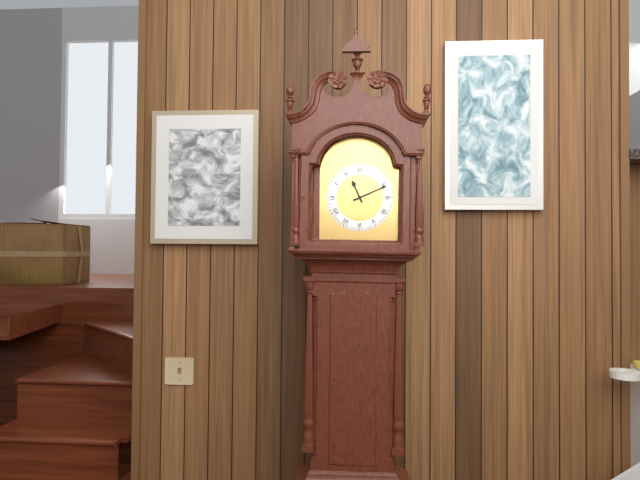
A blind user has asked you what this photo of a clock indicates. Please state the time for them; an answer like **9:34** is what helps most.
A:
**11:11**
